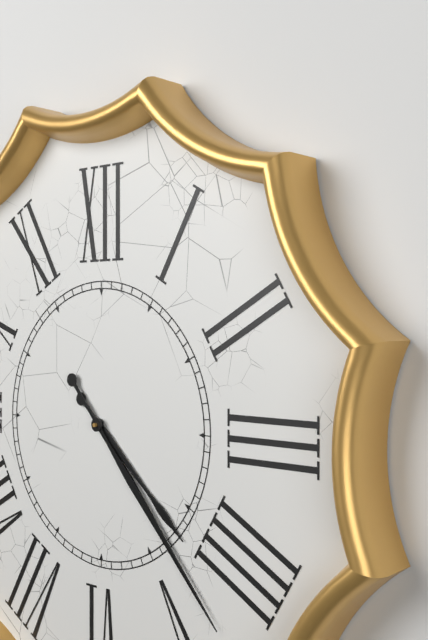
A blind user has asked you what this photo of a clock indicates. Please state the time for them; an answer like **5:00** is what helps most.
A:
**4:23**
